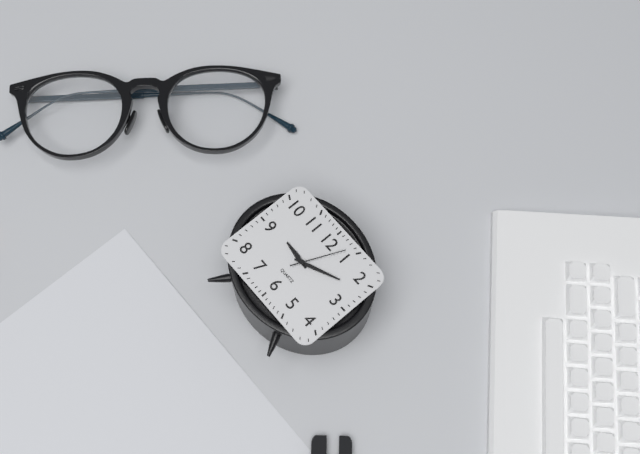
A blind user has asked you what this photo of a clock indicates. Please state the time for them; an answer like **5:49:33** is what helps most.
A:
**9:11:04**
